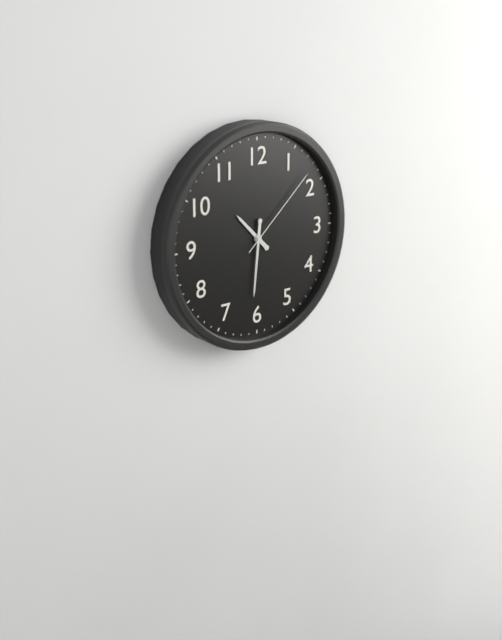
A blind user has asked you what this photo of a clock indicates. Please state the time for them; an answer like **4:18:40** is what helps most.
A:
**10:31:08**
